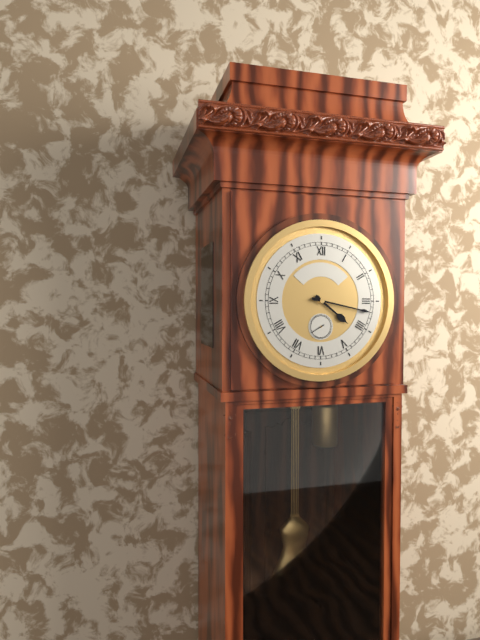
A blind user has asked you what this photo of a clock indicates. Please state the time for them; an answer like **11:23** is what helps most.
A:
**4:17**
